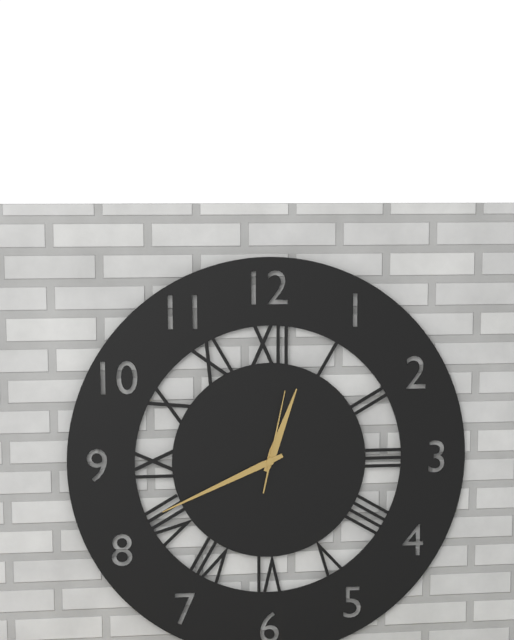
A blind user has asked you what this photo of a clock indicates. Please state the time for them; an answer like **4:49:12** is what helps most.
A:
**12:41:02**
